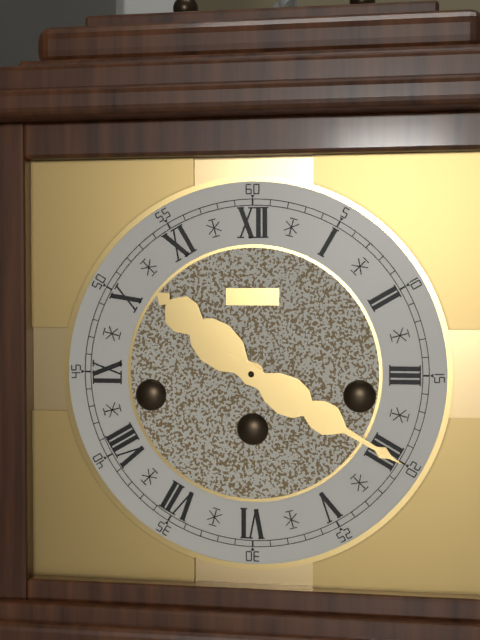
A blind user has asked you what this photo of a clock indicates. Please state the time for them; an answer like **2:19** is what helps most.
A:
**10:20**
